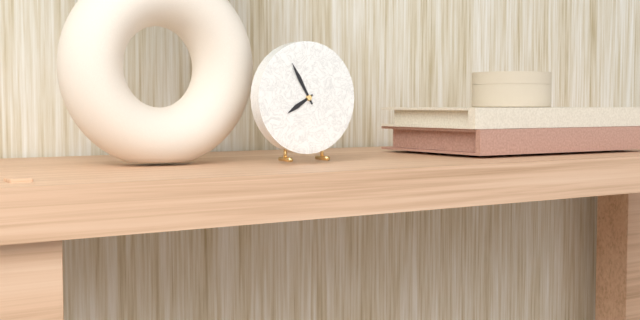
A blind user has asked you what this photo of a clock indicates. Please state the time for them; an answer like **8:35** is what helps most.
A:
**7:55**
